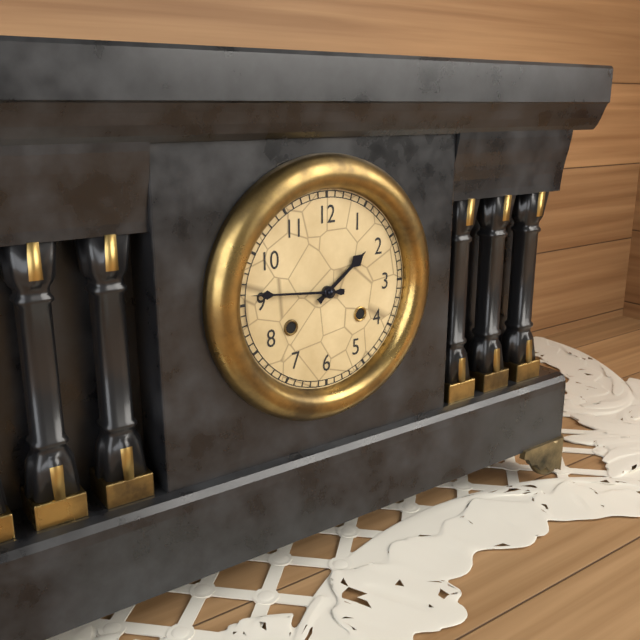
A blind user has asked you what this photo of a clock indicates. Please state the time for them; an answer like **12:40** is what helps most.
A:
**1:46**
